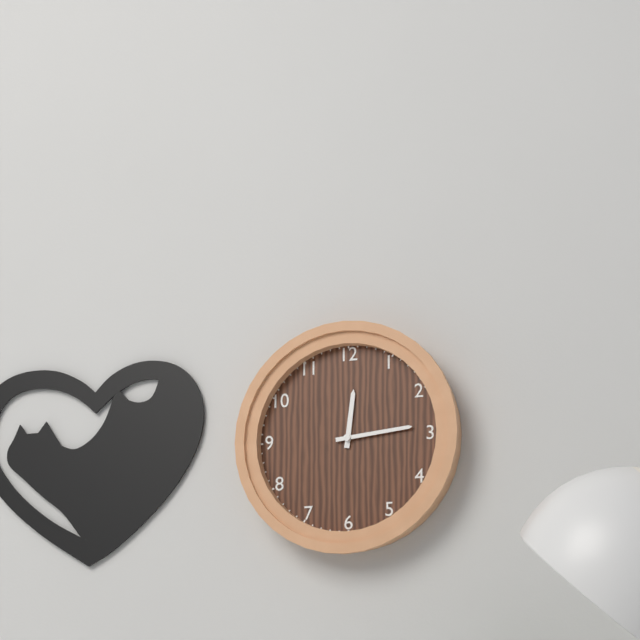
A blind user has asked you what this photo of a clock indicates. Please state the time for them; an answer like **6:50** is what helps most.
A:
**12:14**
